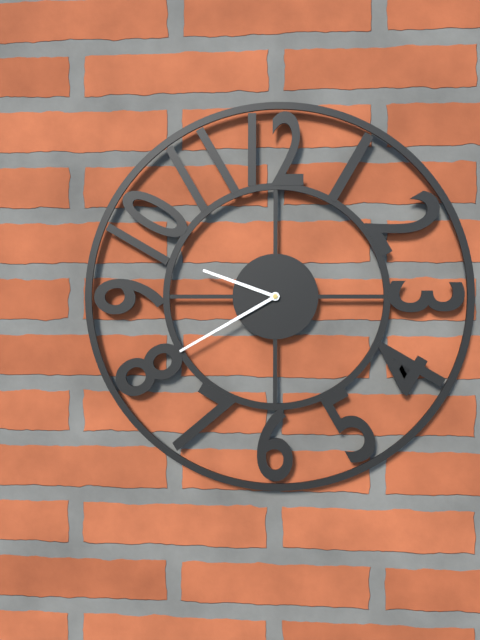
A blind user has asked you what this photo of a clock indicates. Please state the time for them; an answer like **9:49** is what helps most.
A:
**9:40**
